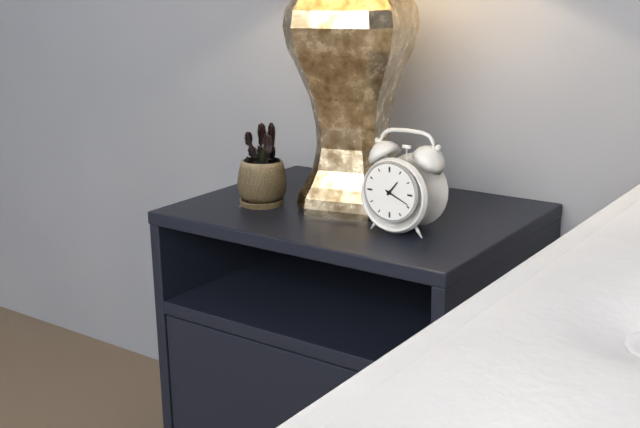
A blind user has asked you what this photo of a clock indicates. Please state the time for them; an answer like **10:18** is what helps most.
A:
**1:19**
